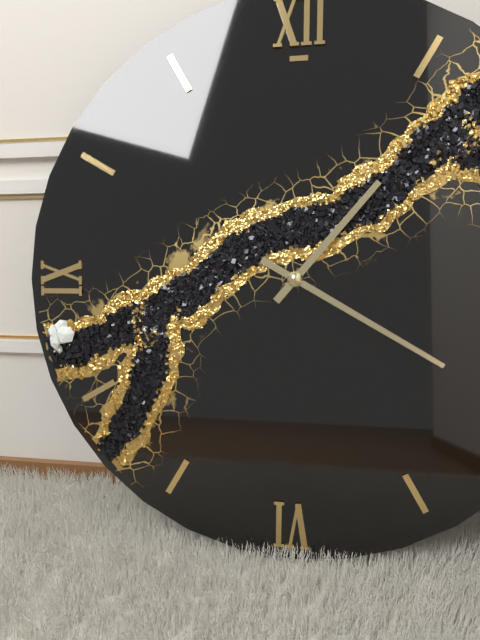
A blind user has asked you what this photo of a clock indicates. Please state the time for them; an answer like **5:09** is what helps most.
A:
**1:20**
